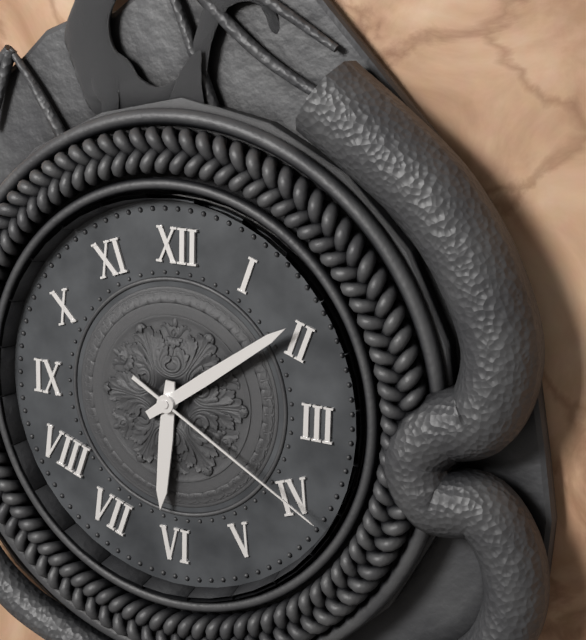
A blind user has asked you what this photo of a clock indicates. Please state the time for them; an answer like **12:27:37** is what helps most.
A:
**6:09:20**
